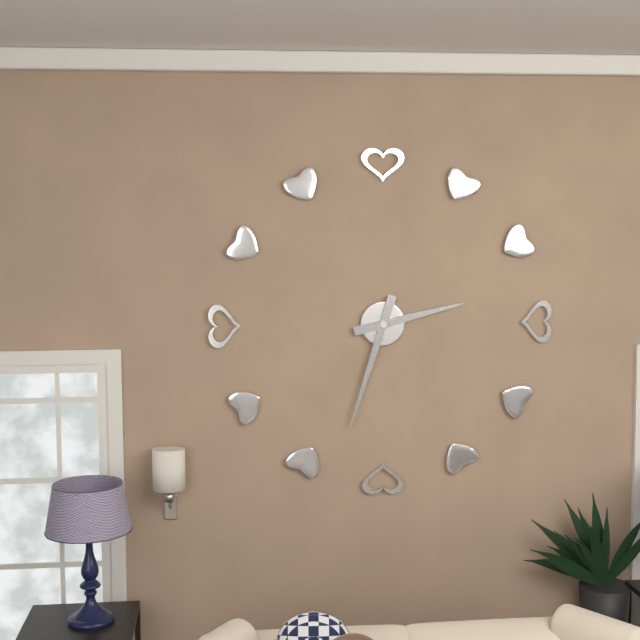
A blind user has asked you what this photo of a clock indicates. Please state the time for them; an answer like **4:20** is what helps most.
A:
**2:33**
